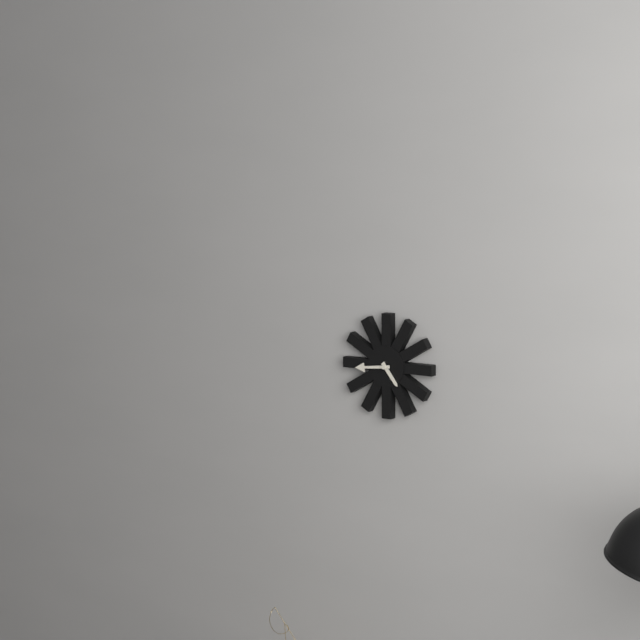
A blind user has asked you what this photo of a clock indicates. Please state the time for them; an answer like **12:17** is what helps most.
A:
**4:44**
